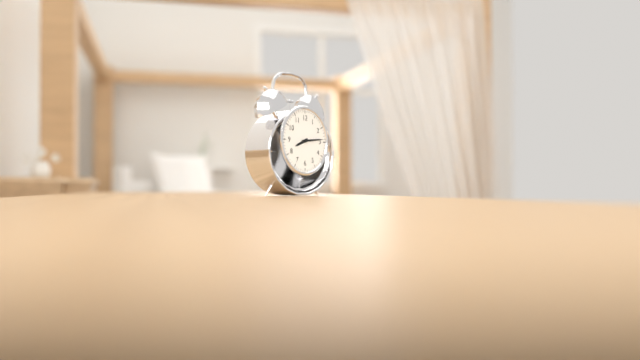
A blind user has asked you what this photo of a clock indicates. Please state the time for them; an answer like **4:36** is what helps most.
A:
**8:14**
